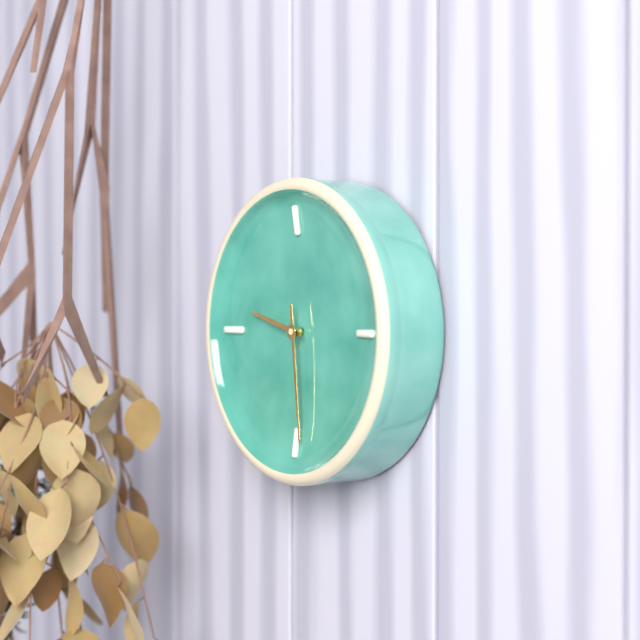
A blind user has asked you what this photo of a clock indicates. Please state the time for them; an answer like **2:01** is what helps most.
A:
**9:29**
